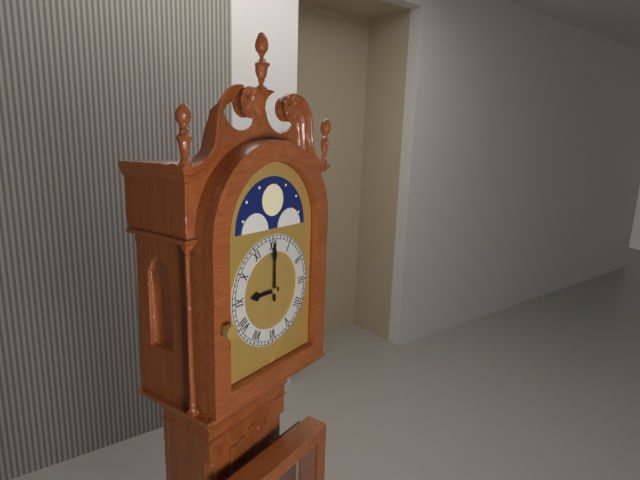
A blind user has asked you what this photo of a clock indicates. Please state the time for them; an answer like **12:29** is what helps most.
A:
**9:00**
